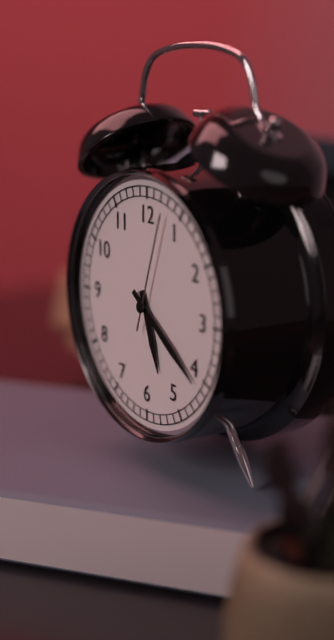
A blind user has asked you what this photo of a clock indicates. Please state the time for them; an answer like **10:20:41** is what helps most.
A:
**5:21:03**
